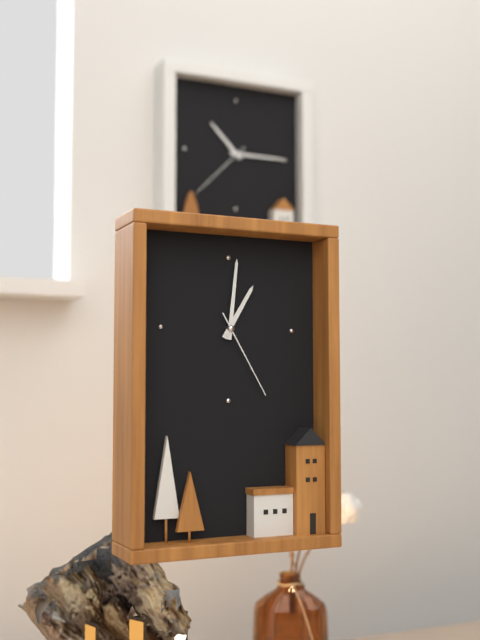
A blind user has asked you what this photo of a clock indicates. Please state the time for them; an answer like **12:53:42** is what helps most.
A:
**1:01:25**
